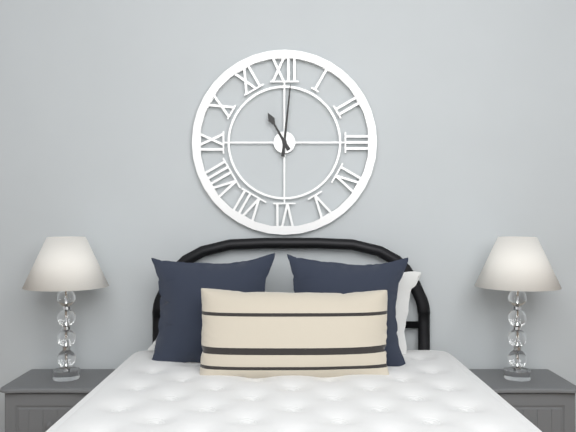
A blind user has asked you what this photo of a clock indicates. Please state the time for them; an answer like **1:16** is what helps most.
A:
**11:01**
